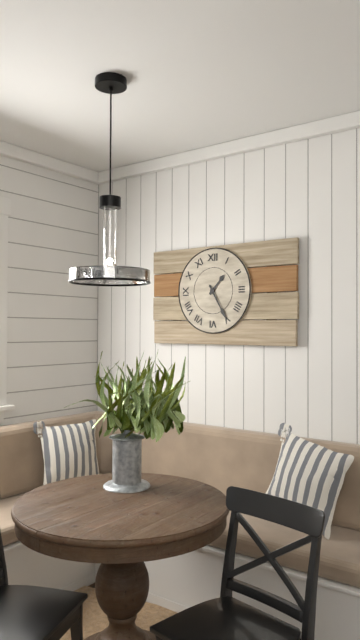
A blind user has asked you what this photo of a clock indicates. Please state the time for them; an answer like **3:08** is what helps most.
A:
**1:25**
